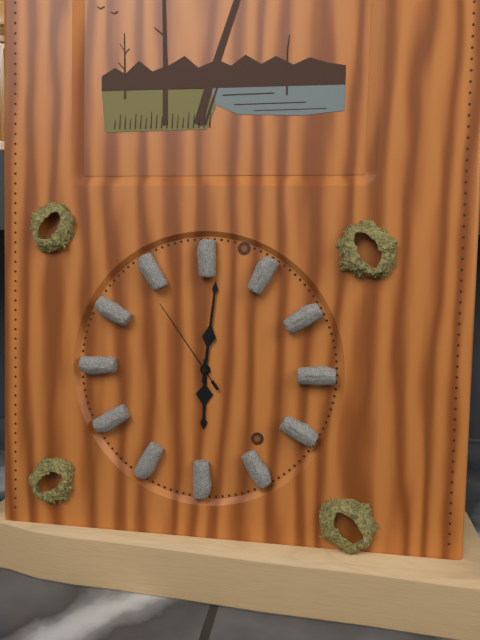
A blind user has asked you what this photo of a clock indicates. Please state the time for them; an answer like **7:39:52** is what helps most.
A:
**6:01:54**
